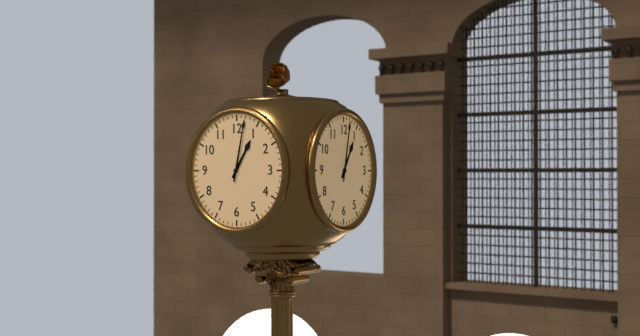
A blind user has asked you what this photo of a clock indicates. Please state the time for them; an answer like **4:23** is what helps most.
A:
**1:02**
